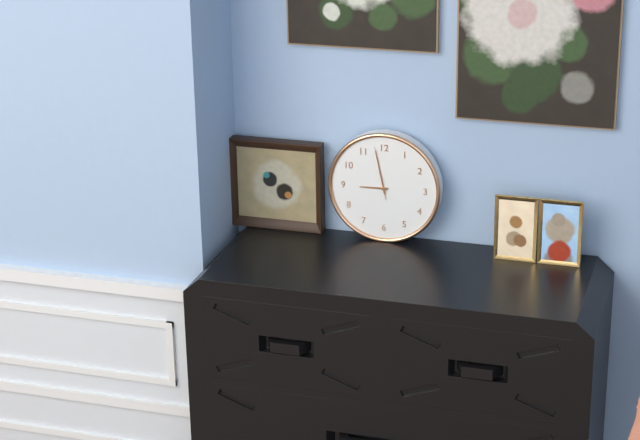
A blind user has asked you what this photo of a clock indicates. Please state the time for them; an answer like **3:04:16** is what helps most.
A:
**8:58:58**
